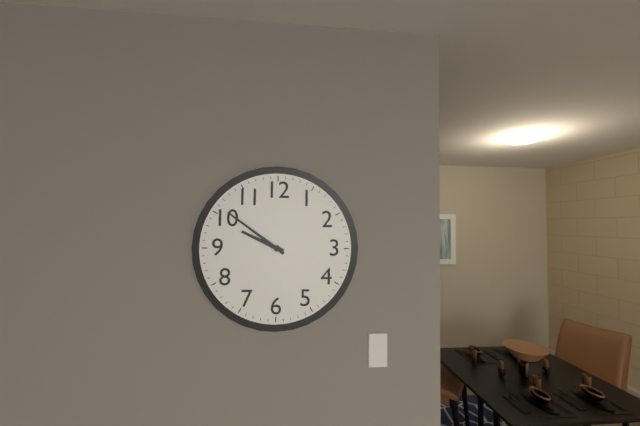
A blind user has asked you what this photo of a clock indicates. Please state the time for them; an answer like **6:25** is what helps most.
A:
**9:51**
